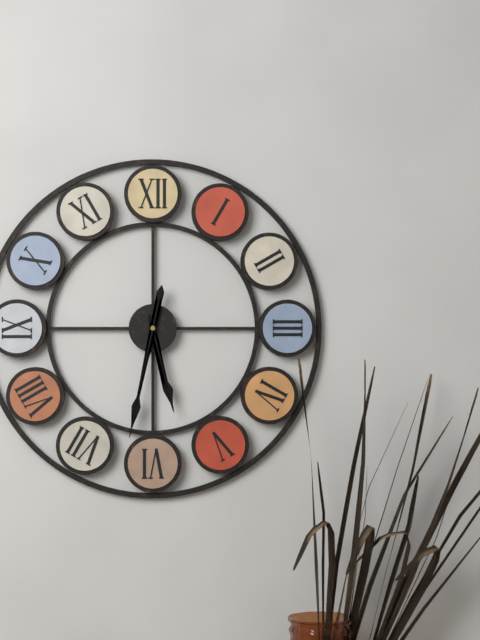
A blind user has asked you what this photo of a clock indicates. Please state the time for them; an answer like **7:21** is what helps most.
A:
**5:32**
